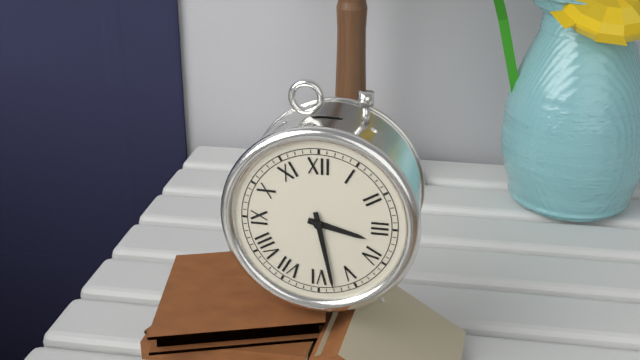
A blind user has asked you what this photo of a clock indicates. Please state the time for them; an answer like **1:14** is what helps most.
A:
**3:28**
